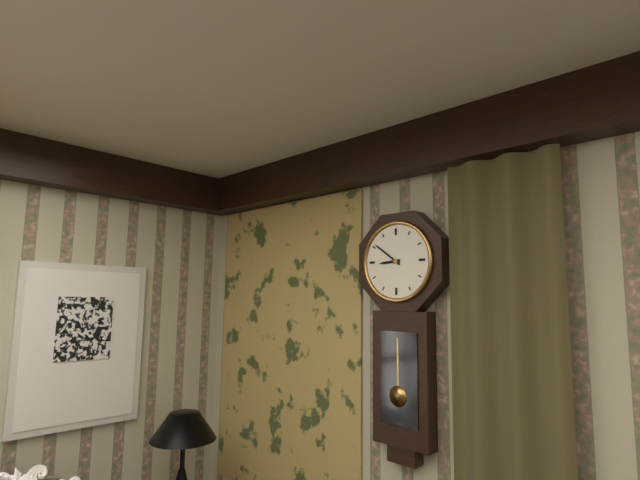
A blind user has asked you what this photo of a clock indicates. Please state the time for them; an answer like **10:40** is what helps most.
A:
**8:51**
